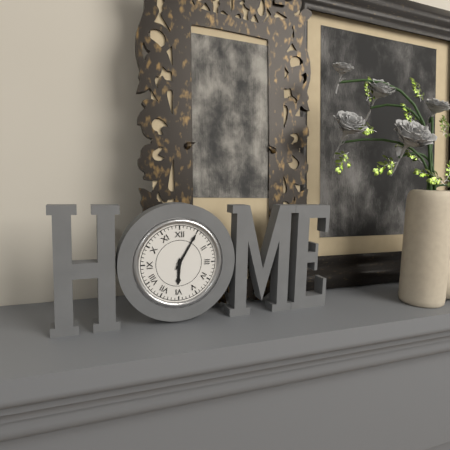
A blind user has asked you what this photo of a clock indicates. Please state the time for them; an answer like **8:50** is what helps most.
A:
**6:05**
